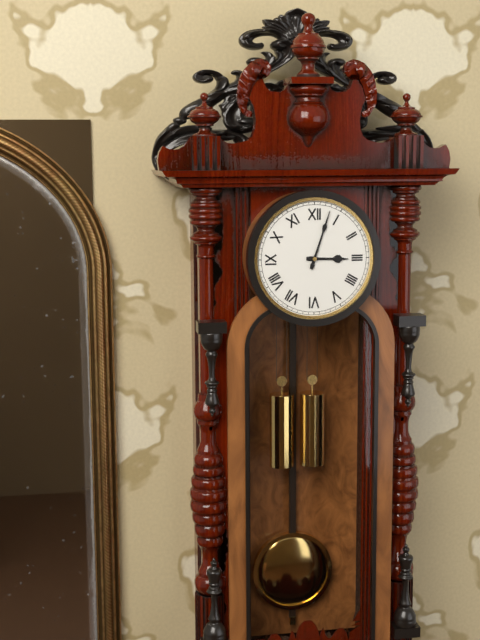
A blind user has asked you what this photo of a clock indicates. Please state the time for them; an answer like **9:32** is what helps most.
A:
**3:03**
